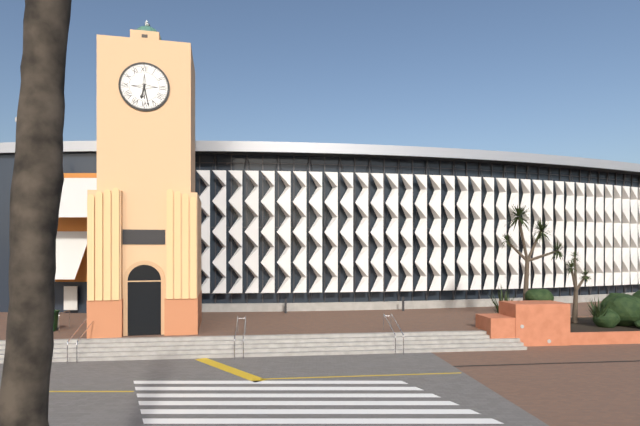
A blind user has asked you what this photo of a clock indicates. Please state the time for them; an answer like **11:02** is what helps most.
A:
**6:28**
